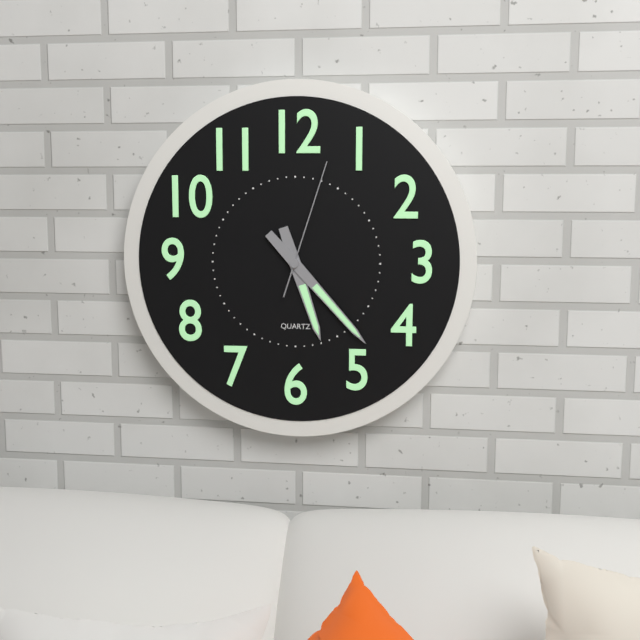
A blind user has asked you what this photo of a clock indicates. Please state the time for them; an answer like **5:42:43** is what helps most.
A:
**5:23:03**
